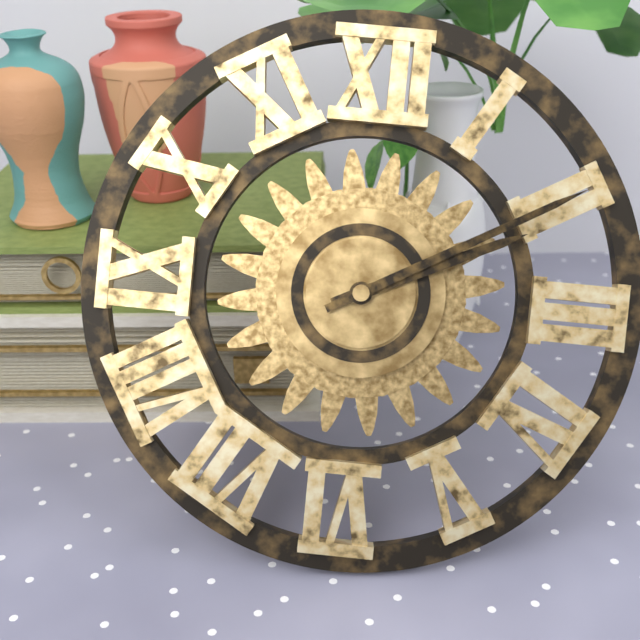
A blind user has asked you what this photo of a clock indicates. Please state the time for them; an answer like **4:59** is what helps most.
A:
**2:10**
